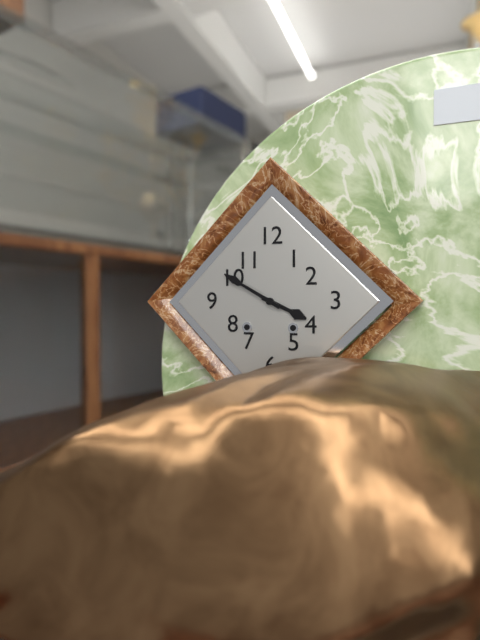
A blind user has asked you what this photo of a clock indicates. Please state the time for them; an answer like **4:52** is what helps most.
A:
**3:50**
